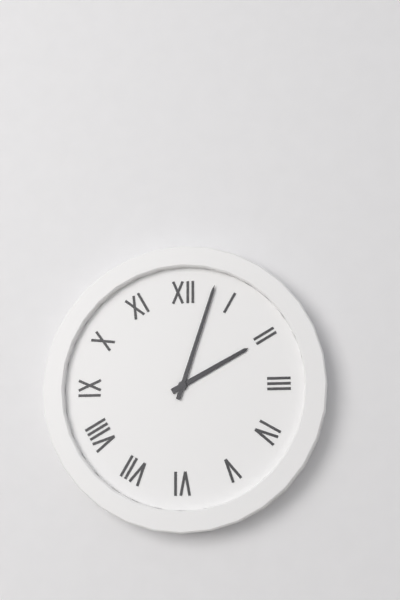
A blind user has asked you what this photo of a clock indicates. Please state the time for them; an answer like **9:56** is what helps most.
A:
**2:03**
